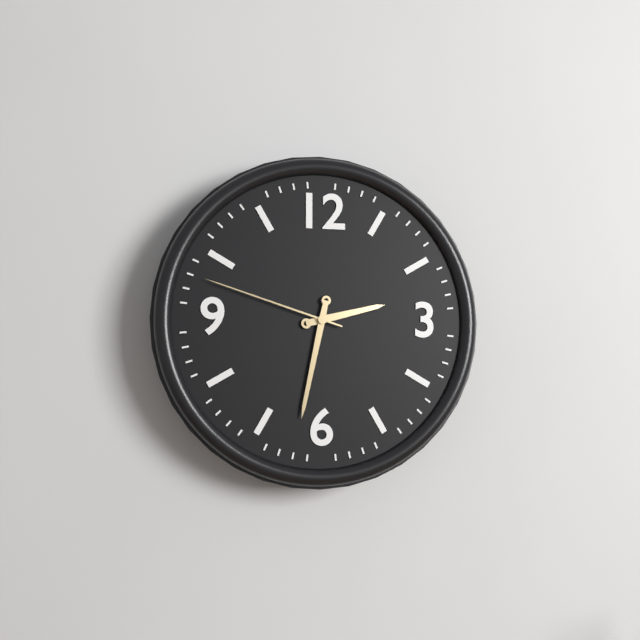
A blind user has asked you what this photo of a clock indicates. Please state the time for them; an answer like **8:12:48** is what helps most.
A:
**2:32:48**
